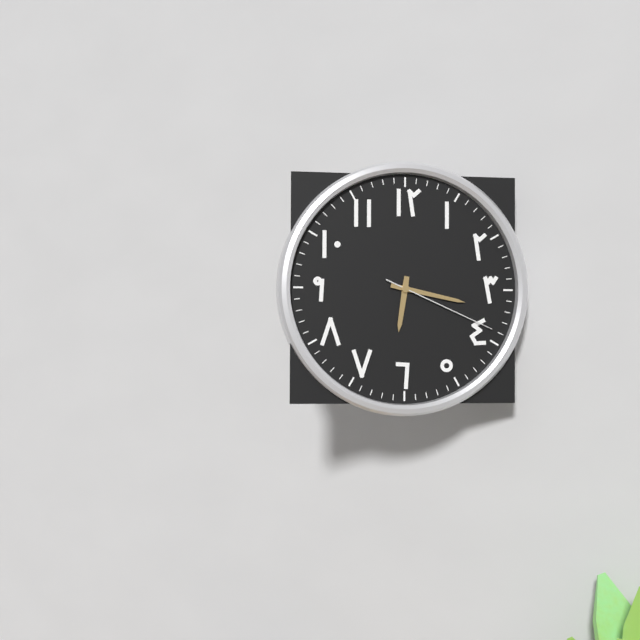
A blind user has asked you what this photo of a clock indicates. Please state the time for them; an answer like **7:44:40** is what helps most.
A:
**6:17:19**
